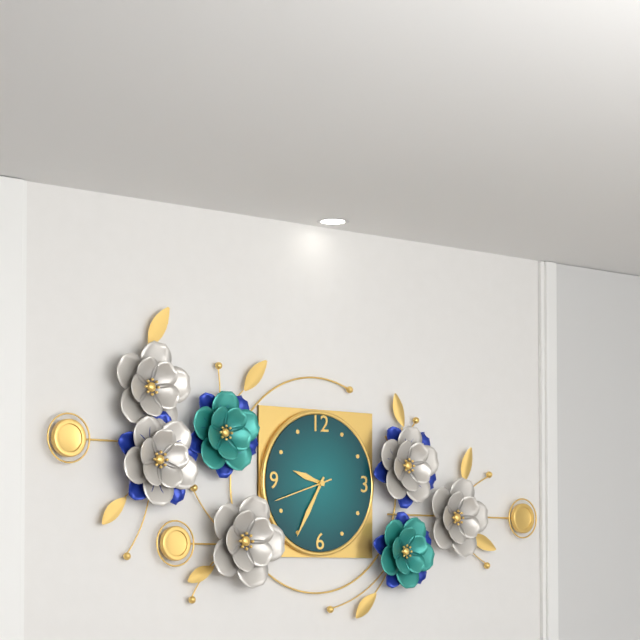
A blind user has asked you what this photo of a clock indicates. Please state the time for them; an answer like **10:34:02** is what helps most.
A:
**9:35:42**
